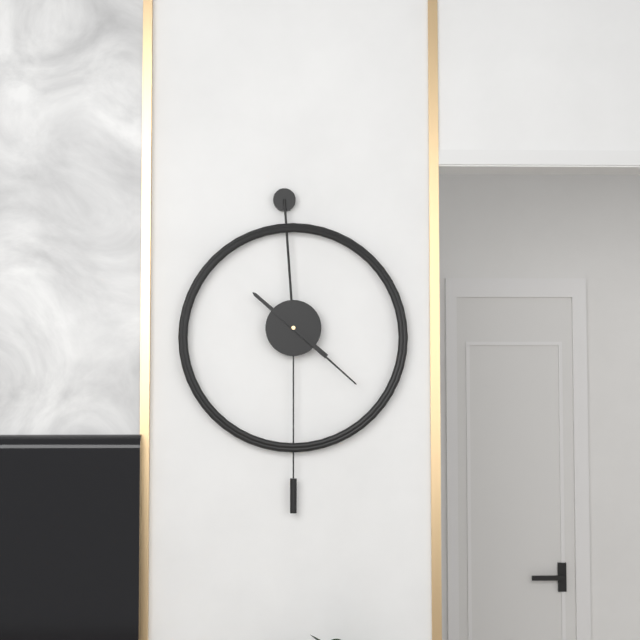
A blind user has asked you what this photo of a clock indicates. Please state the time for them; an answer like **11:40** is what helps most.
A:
**10:22**
